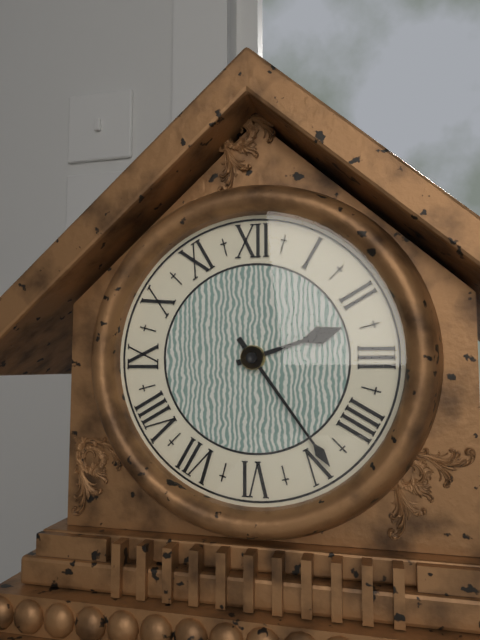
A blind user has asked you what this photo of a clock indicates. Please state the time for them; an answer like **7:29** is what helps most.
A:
**2:24**
